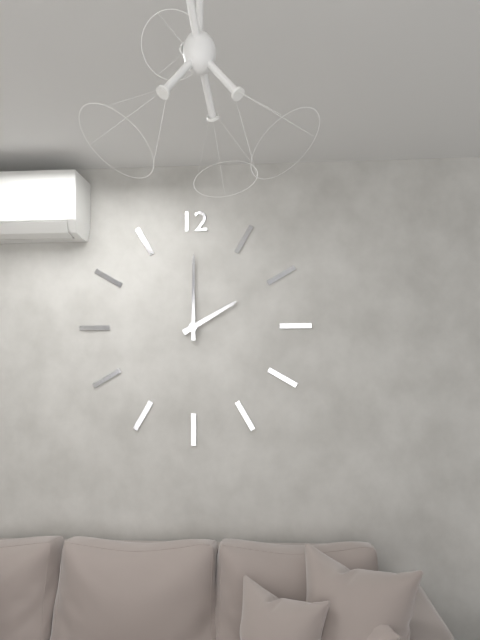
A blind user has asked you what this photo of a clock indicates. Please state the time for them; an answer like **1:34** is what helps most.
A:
**2:00**
